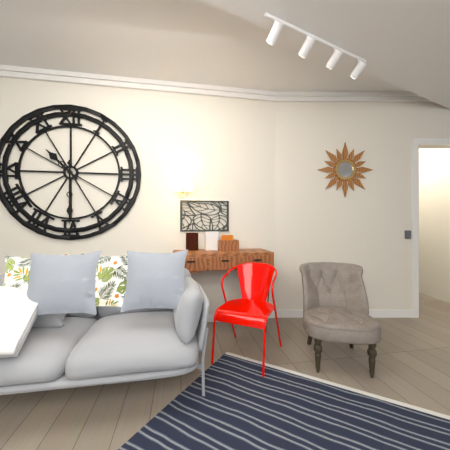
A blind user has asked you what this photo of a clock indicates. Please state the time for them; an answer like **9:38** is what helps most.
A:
**10:30**
